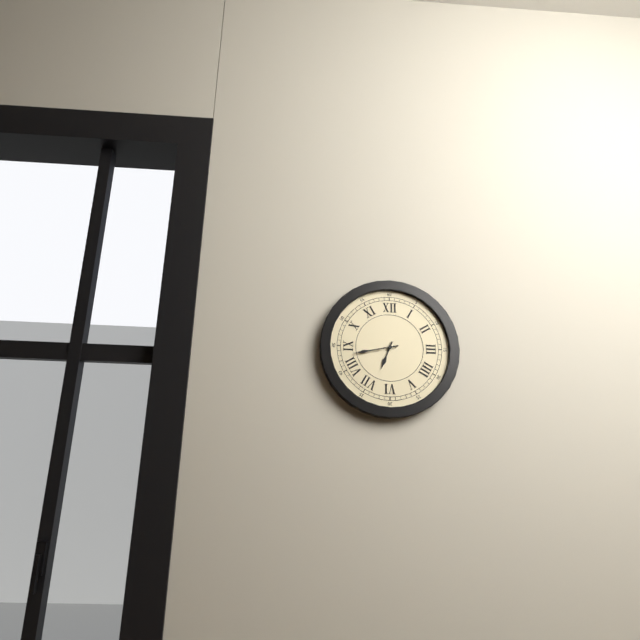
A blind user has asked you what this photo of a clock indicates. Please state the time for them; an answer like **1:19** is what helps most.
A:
**6:43**
